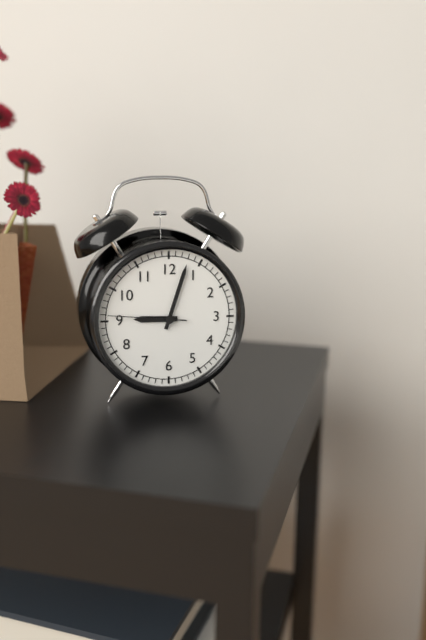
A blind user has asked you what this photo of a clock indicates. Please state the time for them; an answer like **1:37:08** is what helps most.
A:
**9:03:46**
